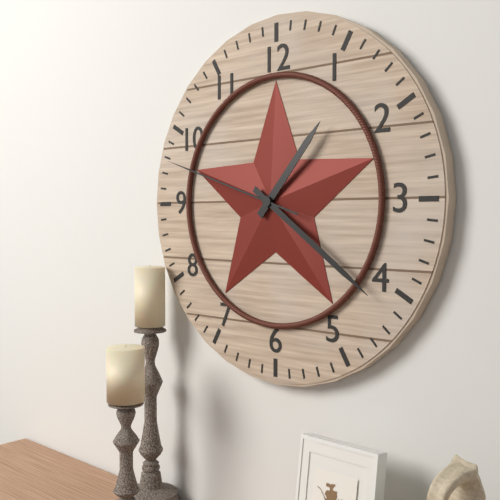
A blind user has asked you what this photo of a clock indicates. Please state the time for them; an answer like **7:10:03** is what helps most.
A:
**1:21:48**
